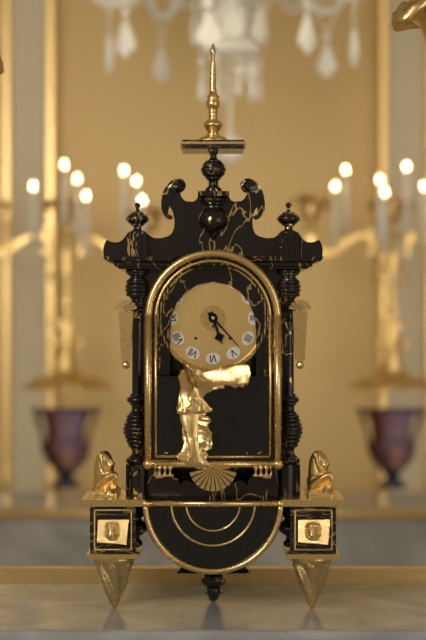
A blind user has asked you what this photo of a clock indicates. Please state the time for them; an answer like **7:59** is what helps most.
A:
**5:23**
